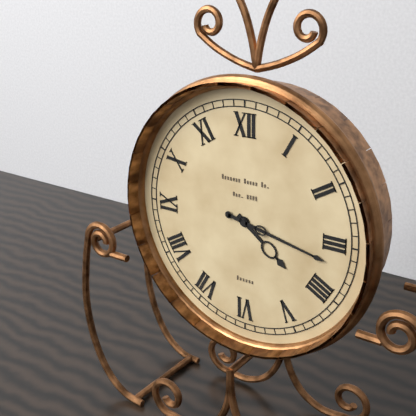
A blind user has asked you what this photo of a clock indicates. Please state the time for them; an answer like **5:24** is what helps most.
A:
**4:17**
